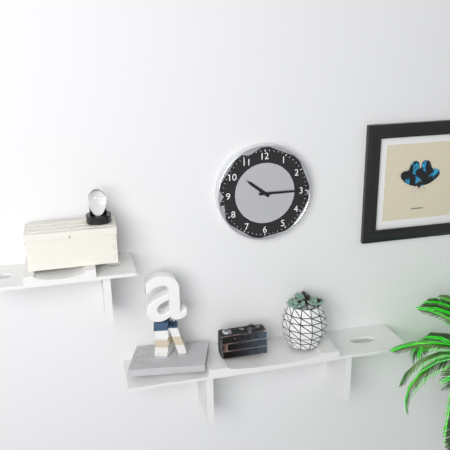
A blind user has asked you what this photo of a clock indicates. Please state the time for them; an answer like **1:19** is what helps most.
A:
**10:15**
